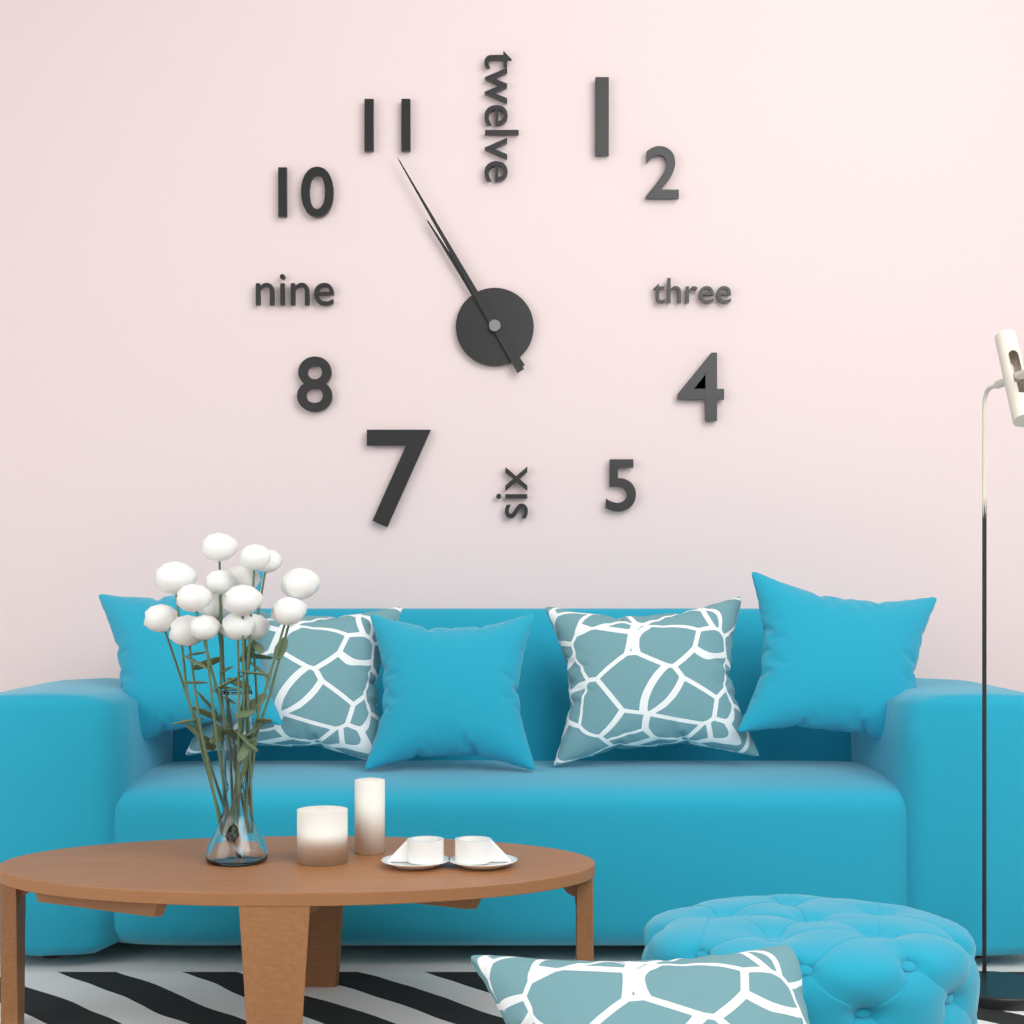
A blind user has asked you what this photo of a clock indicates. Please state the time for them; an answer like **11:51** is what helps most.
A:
**10:55**
